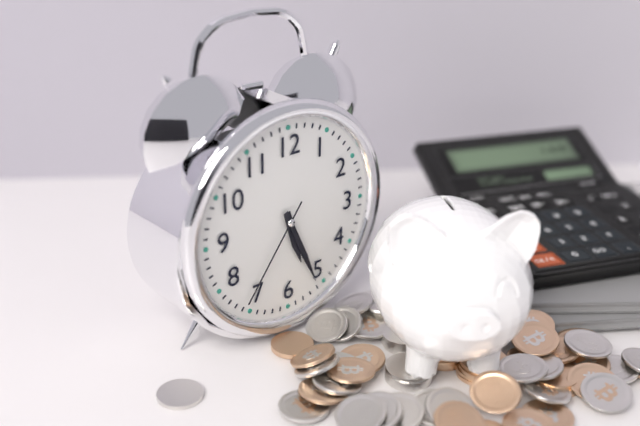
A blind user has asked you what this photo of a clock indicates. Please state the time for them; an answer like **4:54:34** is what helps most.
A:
**5:26:36**
